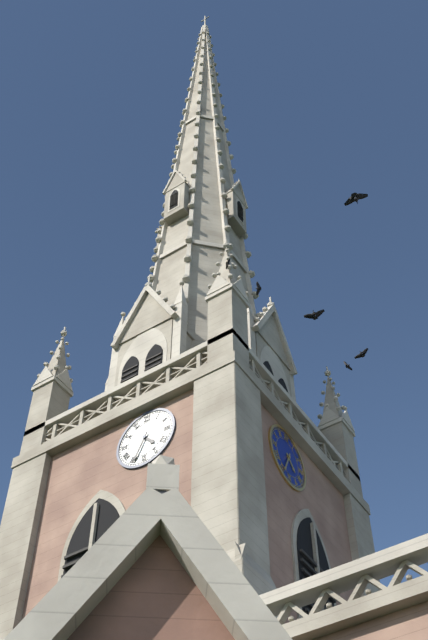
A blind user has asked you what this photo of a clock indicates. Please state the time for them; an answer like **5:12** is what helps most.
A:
**4:34**
